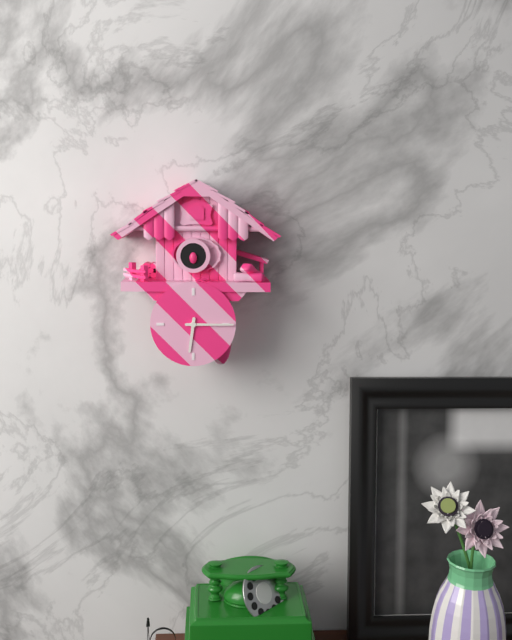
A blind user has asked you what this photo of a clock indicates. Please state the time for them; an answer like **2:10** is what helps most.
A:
**6:15**
